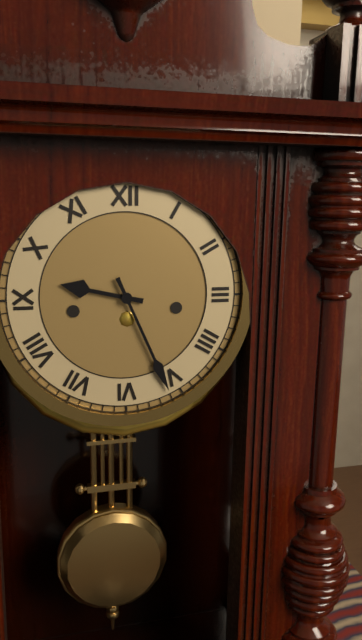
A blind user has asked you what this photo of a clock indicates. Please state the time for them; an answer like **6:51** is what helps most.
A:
**9:26**
